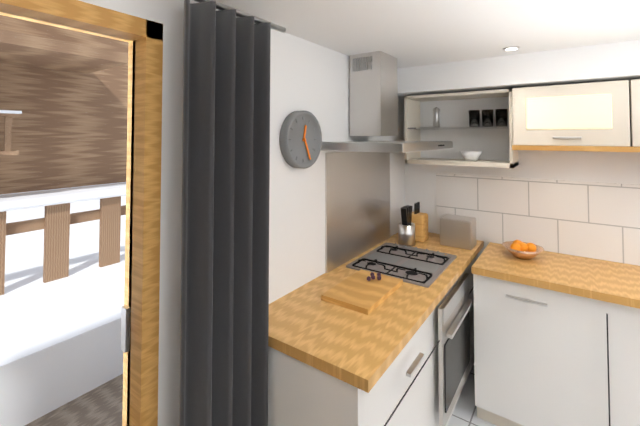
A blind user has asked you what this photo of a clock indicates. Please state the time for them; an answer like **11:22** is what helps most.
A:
**12:26**
